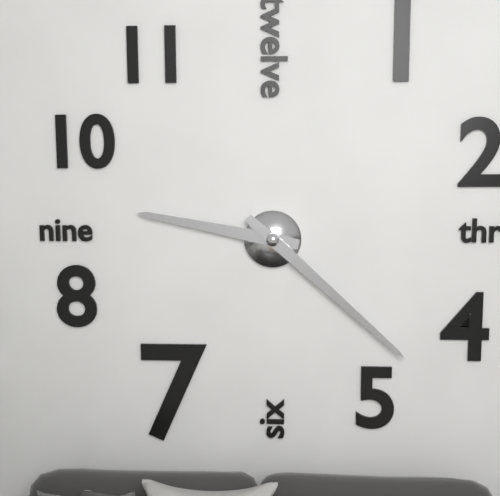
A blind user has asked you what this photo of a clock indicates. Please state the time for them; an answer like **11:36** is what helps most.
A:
**9:22**
